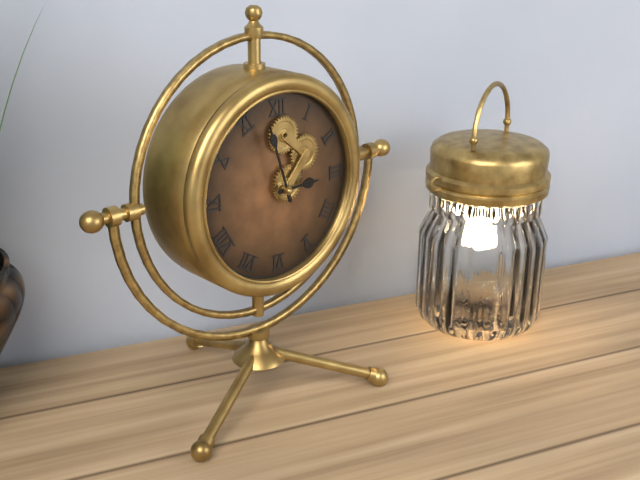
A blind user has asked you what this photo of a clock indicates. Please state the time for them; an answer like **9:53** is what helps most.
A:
**2:57**
